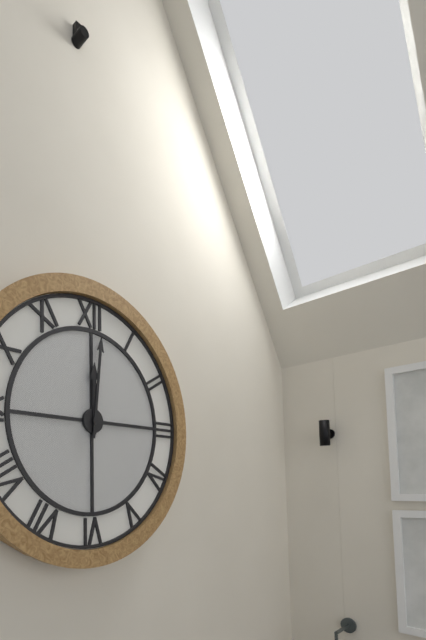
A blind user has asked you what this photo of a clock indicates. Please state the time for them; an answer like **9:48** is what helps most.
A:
**12:01**
